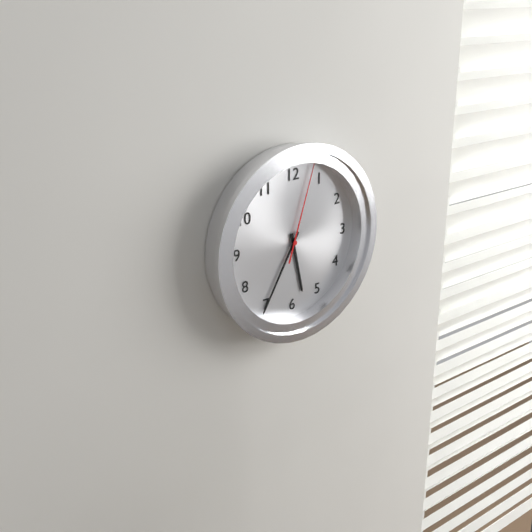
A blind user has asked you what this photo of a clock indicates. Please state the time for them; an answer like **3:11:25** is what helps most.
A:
**5:35:03**
